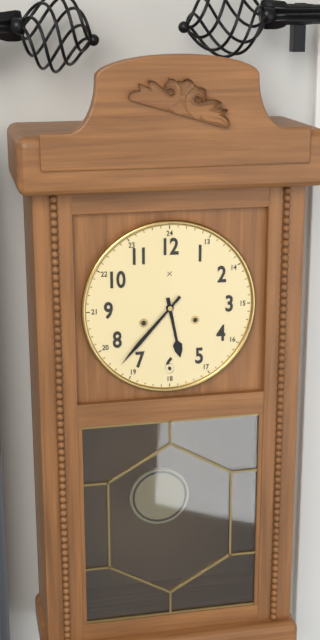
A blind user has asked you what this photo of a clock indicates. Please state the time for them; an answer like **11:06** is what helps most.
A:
**5:37**
